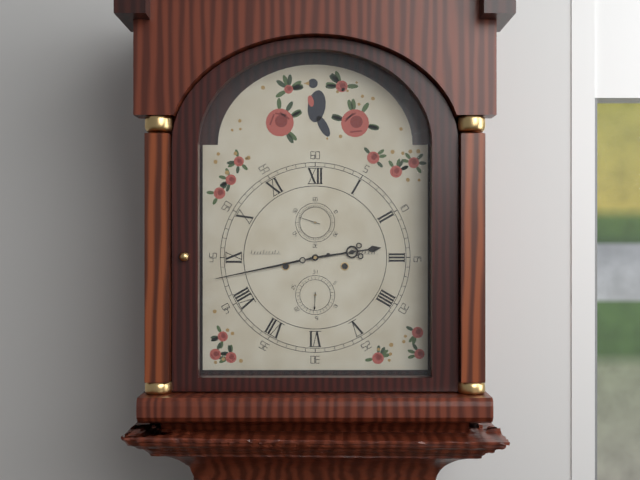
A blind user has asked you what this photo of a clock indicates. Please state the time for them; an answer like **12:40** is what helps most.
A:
**2:43**
